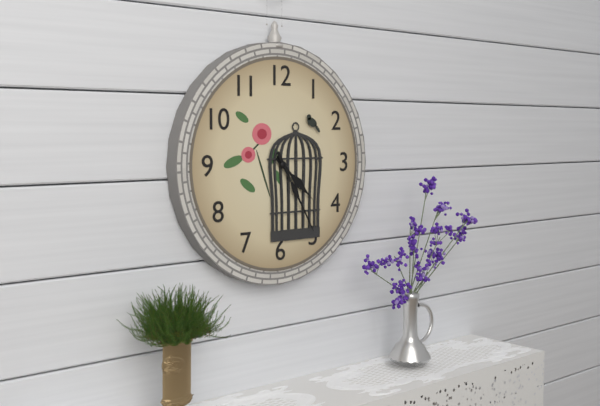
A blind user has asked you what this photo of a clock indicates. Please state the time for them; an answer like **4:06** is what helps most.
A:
**4:25**
